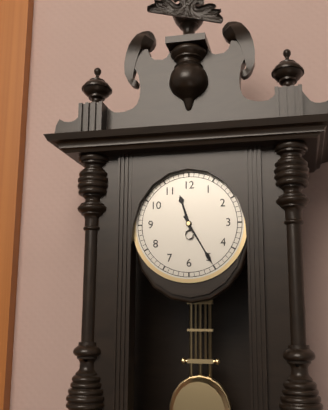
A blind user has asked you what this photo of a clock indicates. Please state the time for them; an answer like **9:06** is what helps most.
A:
**11:25**
